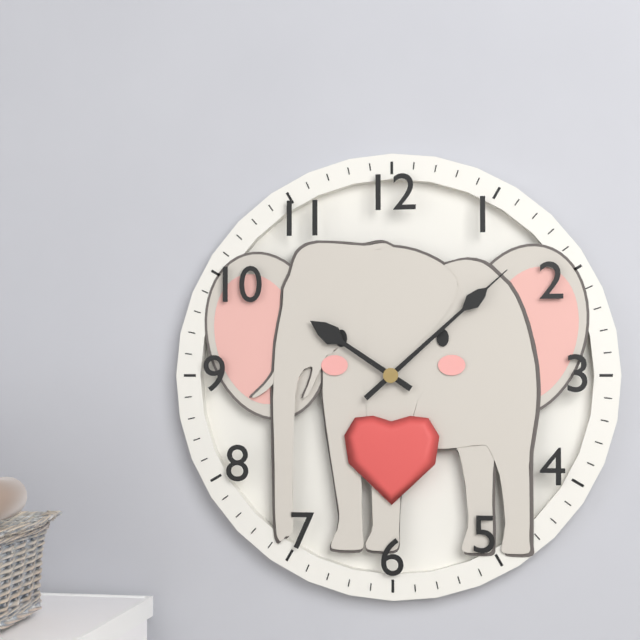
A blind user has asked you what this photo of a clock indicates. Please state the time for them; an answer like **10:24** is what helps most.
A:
**10:08**
